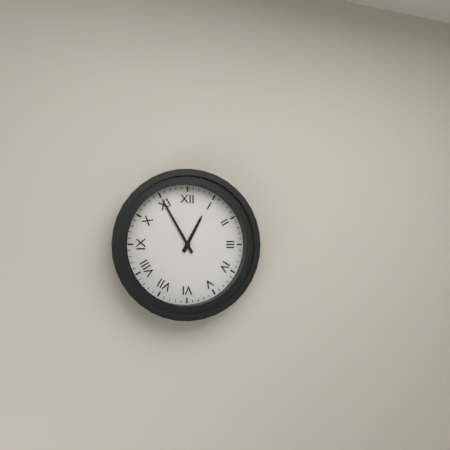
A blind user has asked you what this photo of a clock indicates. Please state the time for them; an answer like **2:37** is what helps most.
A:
**12:55**
